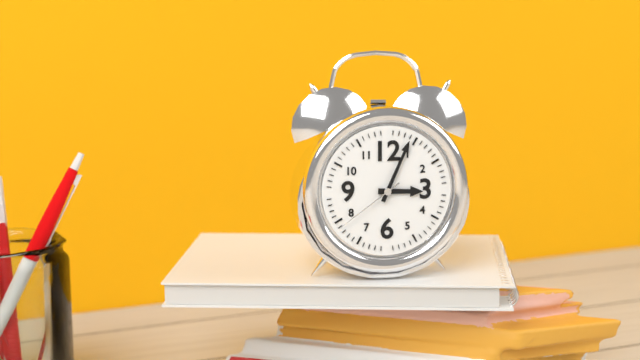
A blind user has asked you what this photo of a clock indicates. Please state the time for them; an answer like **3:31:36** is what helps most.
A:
**3:04:39**
